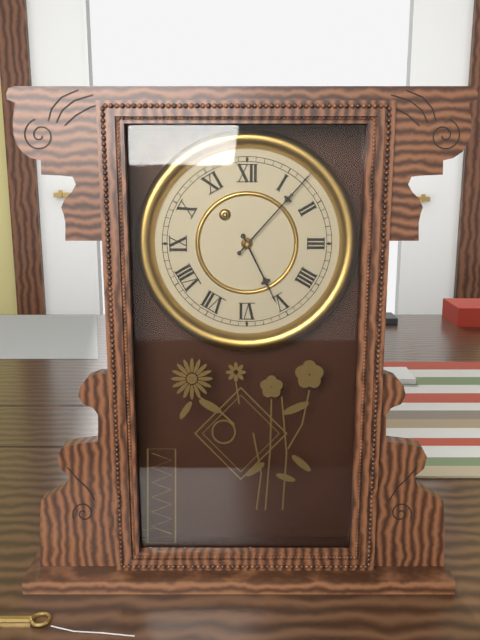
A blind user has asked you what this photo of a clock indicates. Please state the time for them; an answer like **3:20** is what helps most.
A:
**5:07**
